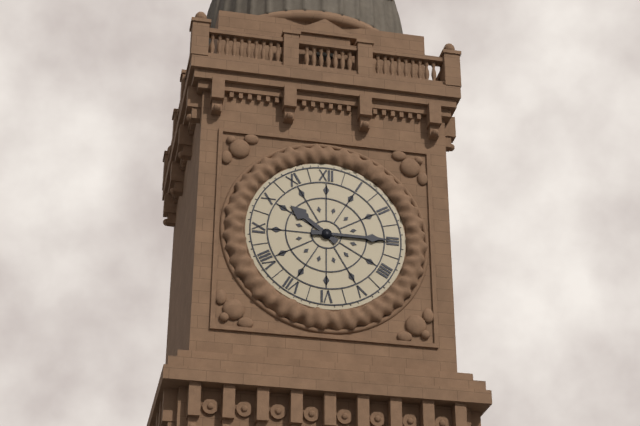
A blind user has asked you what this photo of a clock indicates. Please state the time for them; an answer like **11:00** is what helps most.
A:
**10:15**
